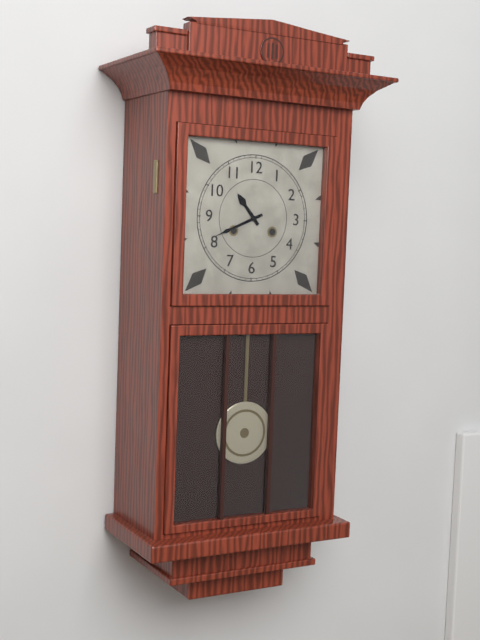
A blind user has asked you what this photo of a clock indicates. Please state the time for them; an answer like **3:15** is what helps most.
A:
**10:41**
